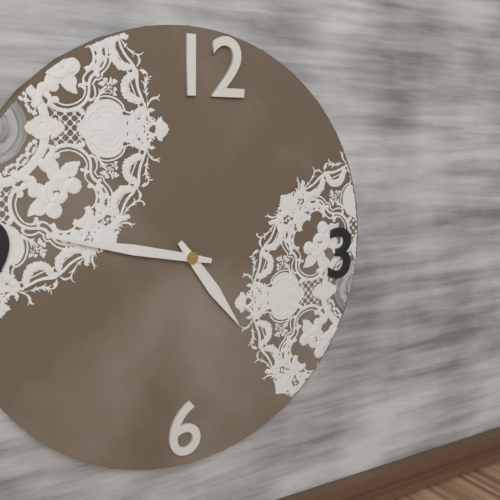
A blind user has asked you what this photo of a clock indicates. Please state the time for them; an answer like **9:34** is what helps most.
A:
**4:47**
